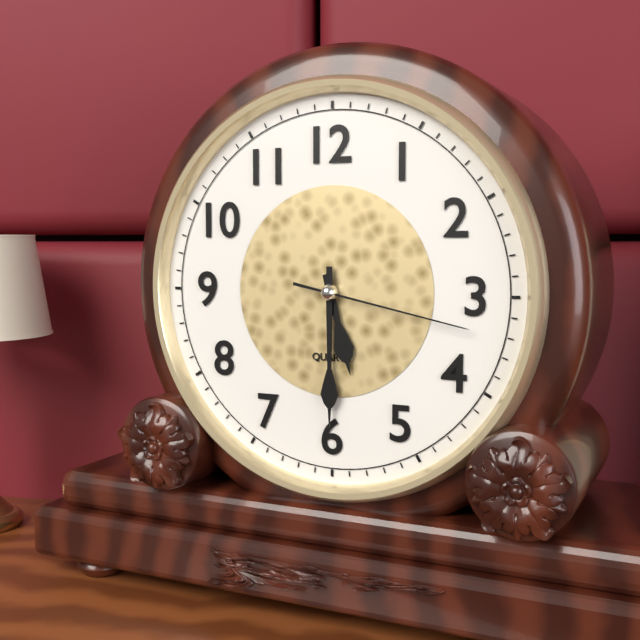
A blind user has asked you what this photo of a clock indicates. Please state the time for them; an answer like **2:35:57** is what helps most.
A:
**5:30:17**
